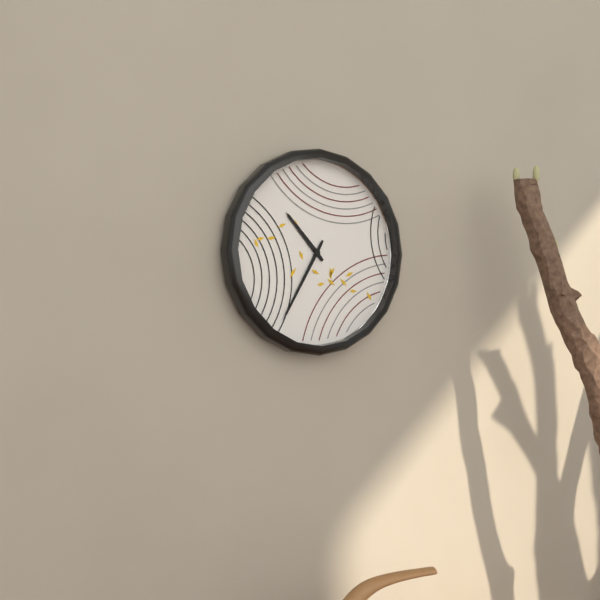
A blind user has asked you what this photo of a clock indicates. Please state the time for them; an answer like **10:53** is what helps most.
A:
**10:35**
